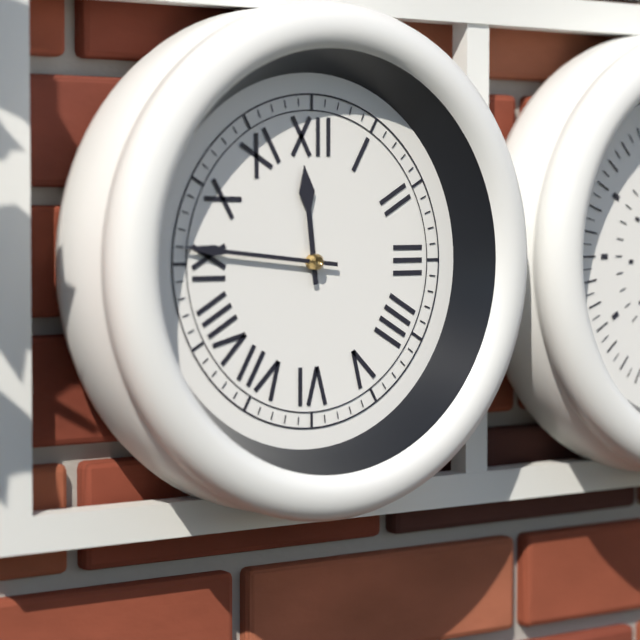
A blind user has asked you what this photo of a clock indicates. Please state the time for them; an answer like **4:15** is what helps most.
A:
**11:46**
